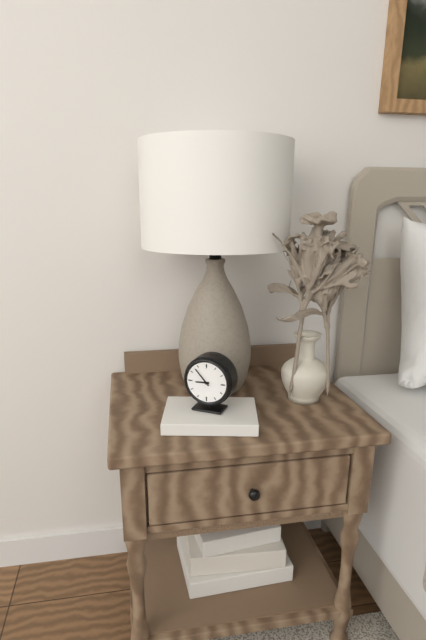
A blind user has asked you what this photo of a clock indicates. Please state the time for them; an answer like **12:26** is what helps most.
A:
**8:53**
